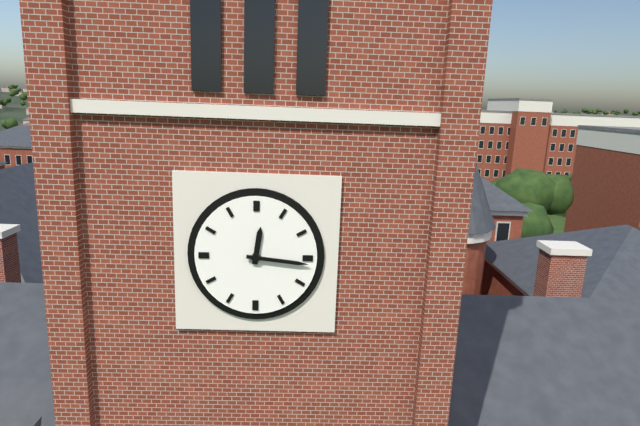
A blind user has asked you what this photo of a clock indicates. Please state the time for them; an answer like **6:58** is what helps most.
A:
**12:16**
